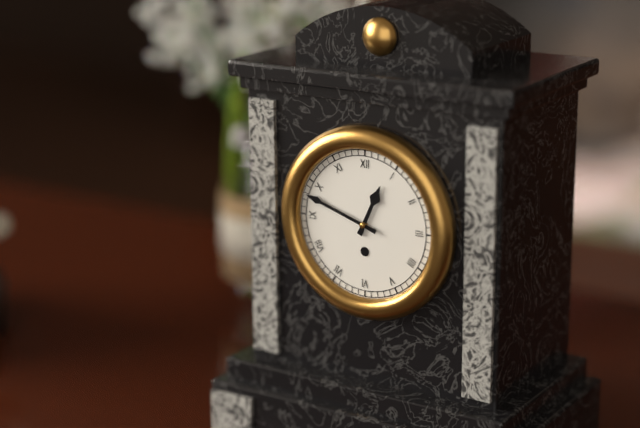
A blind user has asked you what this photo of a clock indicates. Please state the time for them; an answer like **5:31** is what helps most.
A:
**12:48**
